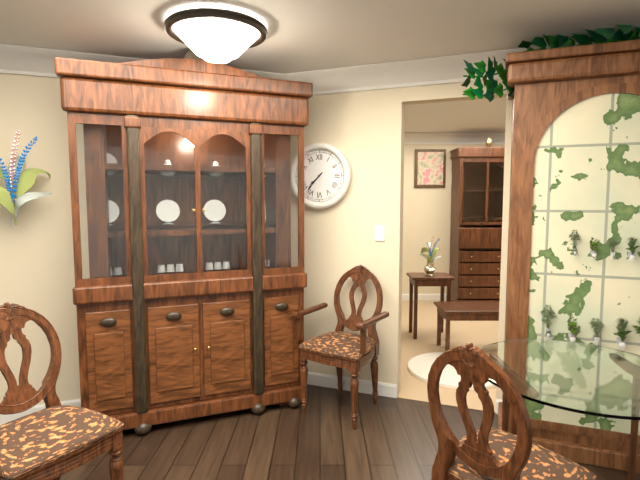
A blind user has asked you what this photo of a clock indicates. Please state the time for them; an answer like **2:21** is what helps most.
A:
**7:37**
